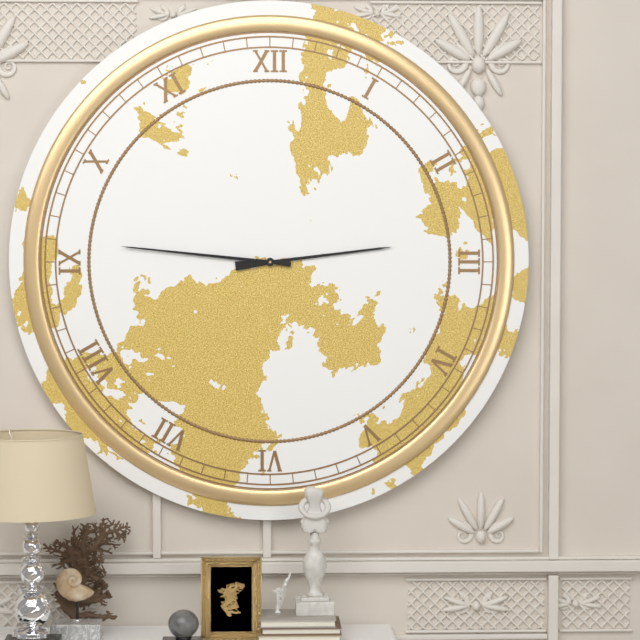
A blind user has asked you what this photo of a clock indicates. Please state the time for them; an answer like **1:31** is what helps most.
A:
**2:46**
